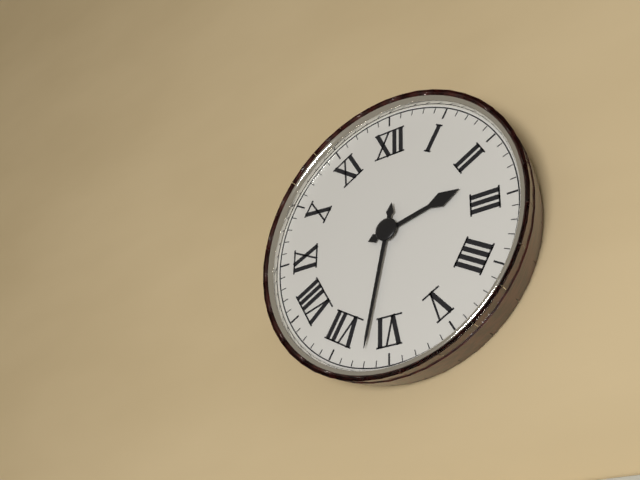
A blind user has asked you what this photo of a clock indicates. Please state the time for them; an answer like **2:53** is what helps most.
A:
**2:32**
